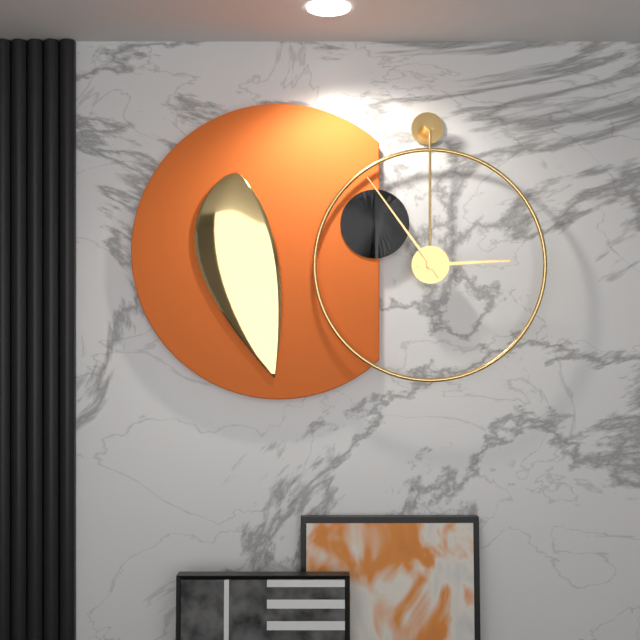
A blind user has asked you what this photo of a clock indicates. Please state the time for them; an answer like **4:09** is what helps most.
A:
**2:54**
